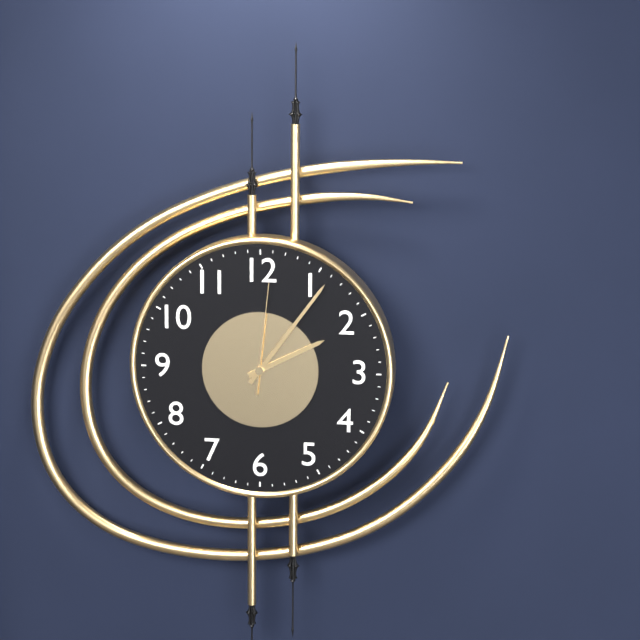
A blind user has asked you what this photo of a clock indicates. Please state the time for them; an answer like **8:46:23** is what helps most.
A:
**2:06:01**
